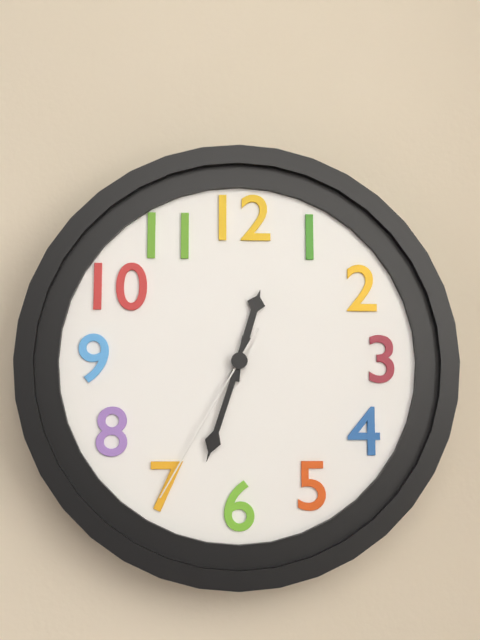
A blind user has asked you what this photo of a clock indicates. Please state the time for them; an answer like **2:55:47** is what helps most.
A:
**12:33:35**
